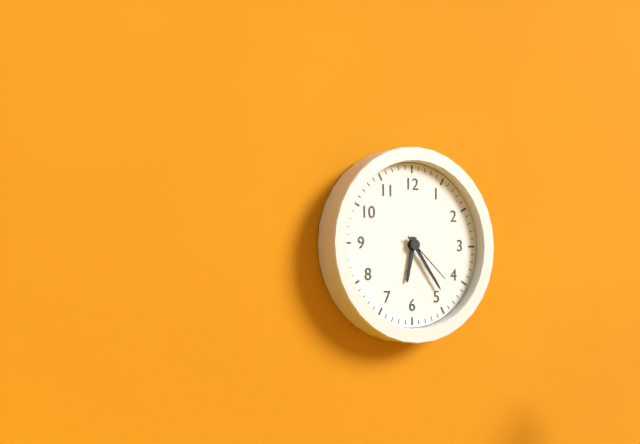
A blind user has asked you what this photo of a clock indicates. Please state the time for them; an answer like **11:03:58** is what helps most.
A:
**6:24:22**
